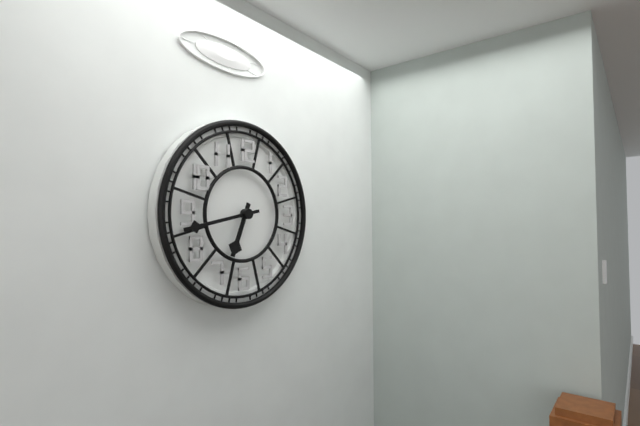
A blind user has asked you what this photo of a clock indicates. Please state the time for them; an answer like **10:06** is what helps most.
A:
**6:43**
